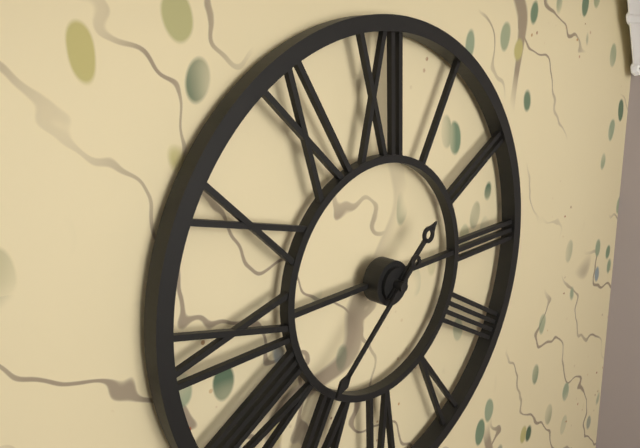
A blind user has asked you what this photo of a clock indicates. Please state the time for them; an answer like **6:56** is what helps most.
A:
**1:38**
